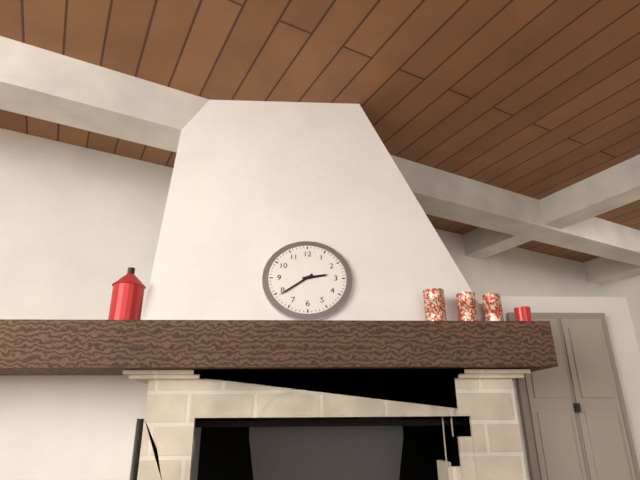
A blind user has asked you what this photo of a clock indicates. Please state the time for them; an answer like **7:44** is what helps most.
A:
**2:39**
